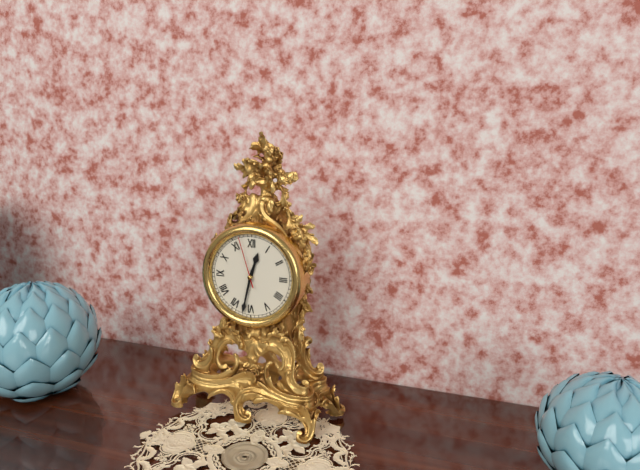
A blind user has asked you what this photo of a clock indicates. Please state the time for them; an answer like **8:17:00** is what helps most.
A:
**12:32:57**
